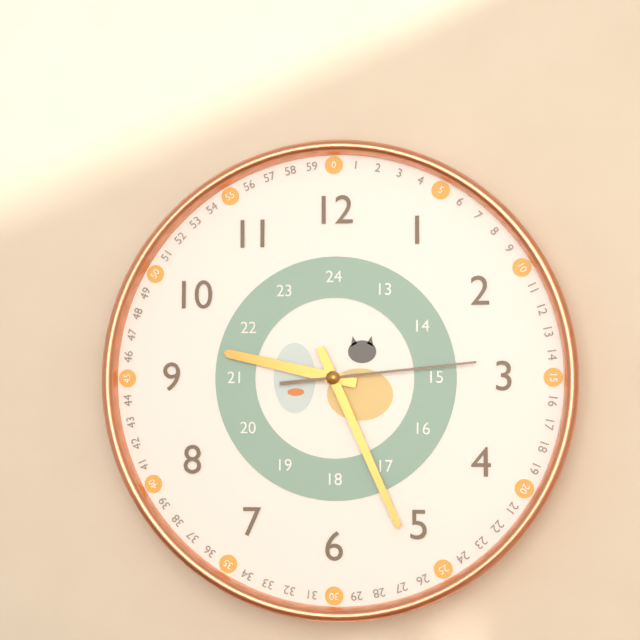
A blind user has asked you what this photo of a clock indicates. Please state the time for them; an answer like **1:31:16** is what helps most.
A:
**9:26:14**
